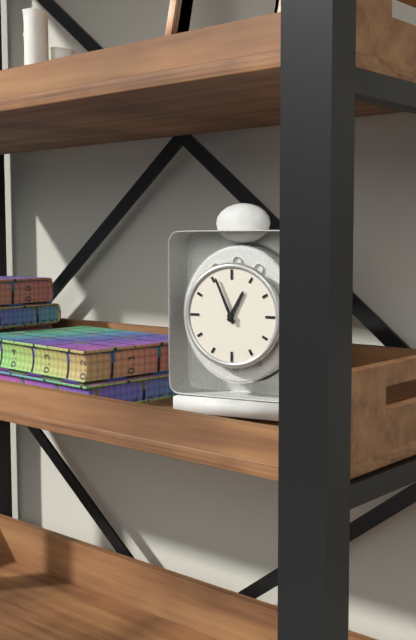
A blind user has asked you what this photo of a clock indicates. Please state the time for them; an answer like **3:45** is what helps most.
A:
**12:56**
